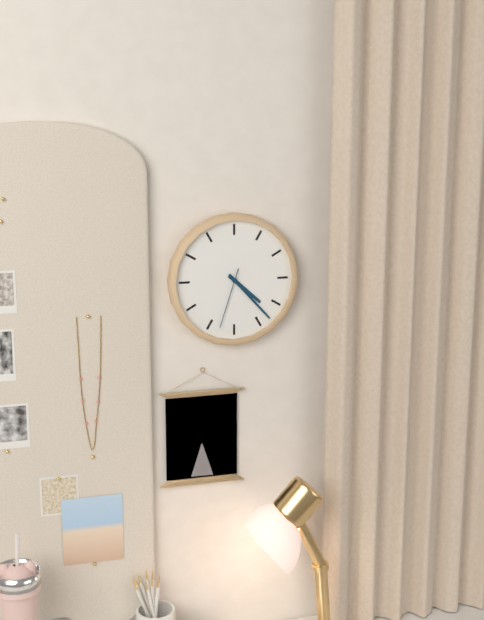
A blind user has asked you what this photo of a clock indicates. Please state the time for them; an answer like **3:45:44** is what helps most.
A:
**4:23:33**
